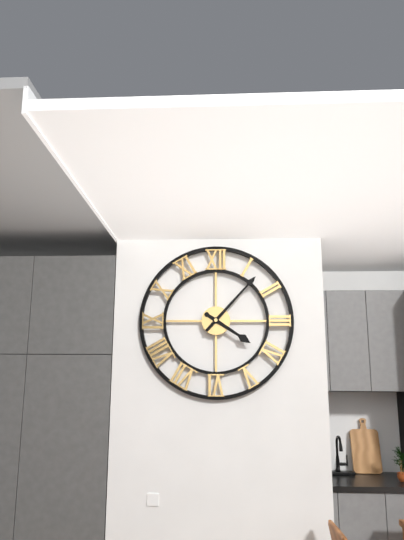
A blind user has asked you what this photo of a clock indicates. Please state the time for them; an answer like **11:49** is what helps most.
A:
**4:07**
